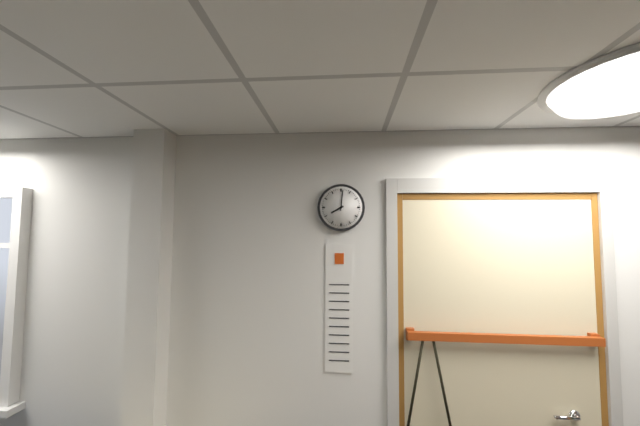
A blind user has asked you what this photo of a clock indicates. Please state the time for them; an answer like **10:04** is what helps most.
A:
**8:01**
